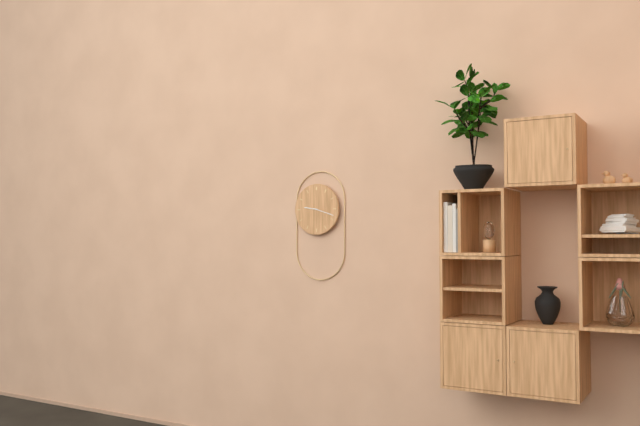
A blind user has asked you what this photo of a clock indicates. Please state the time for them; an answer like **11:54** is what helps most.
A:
**9:18**
